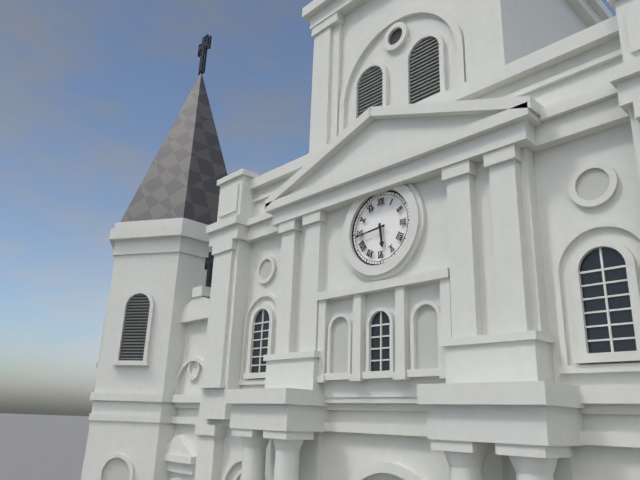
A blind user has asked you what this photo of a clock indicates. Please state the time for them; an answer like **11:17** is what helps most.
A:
**5:44**
